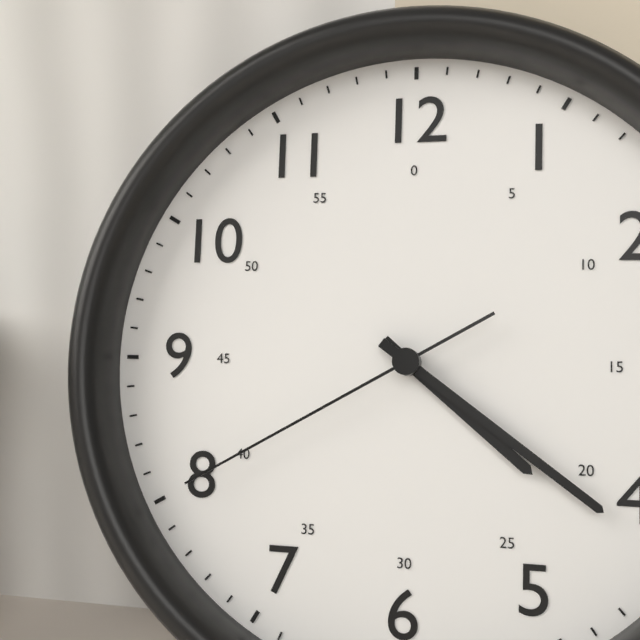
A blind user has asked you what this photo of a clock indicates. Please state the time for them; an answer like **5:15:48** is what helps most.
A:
**4:21:40**
